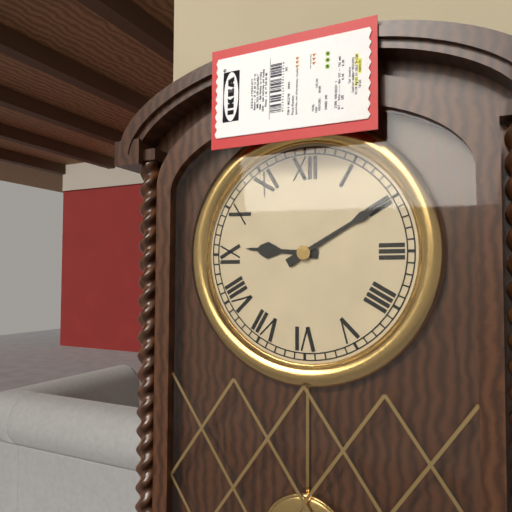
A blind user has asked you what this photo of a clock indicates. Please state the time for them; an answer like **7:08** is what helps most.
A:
**9:10**
